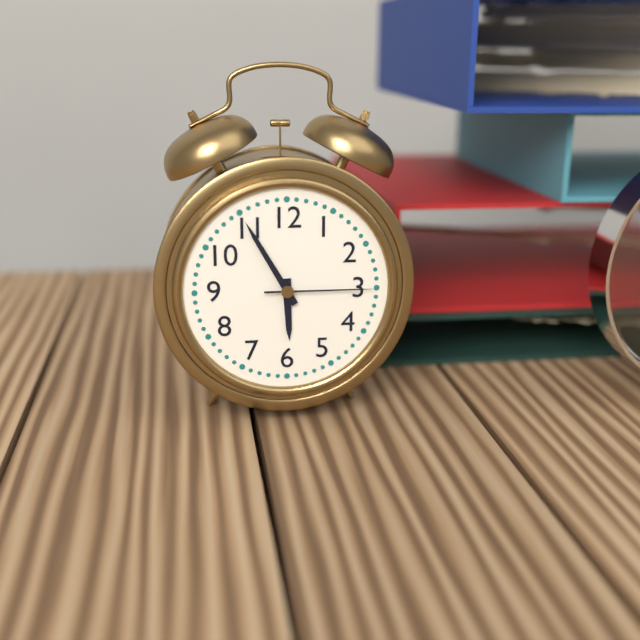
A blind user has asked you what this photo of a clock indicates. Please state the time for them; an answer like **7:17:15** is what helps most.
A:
**5:55:15**
